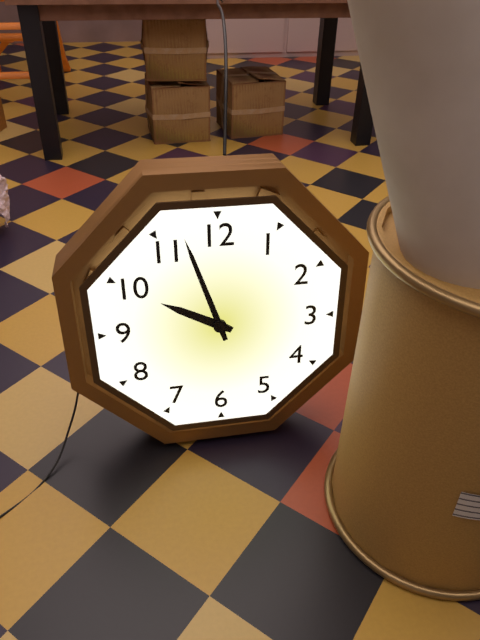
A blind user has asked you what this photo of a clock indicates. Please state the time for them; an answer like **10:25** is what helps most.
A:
**9:57**
